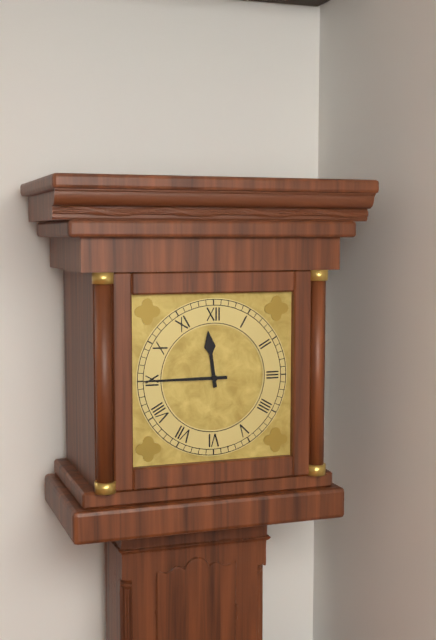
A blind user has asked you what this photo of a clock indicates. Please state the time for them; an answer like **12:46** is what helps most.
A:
**11:45**
